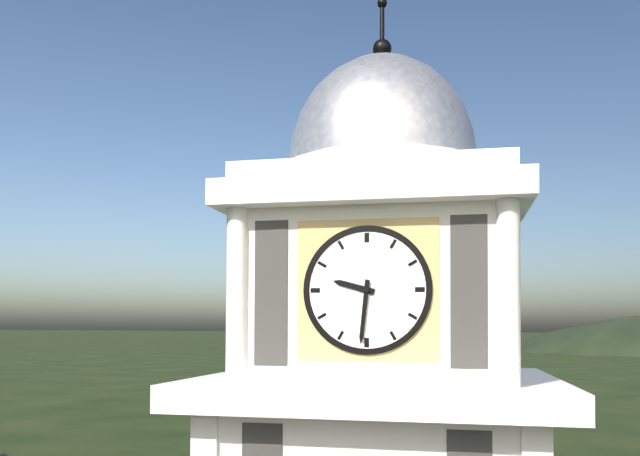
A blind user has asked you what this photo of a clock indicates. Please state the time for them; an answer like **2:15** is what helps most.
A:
**9:31**
